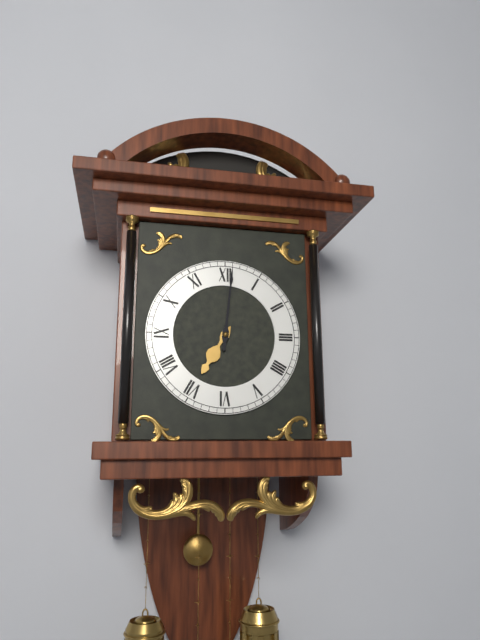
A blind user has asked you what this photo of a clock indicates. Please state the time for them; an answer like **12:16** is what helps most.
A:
**7:01**
